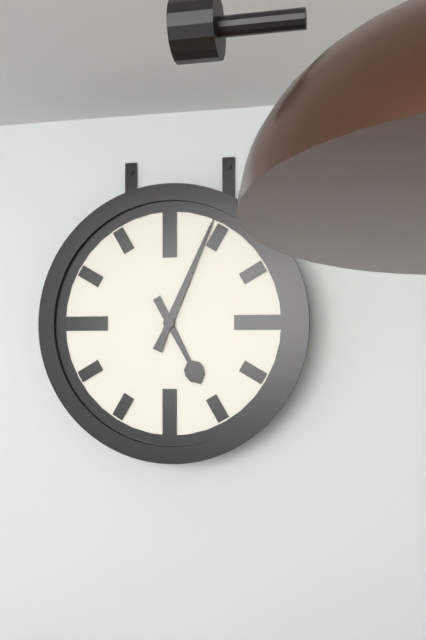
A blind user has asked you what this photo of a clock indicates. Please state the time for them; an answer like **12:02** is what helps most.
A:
**5:04**
